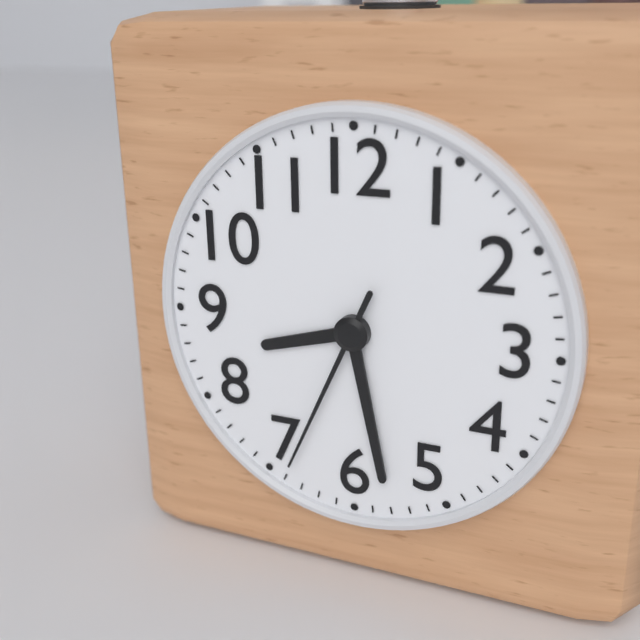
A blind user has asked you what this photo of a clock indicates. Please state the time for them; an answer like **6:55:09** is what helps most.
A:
**8:28:34**
